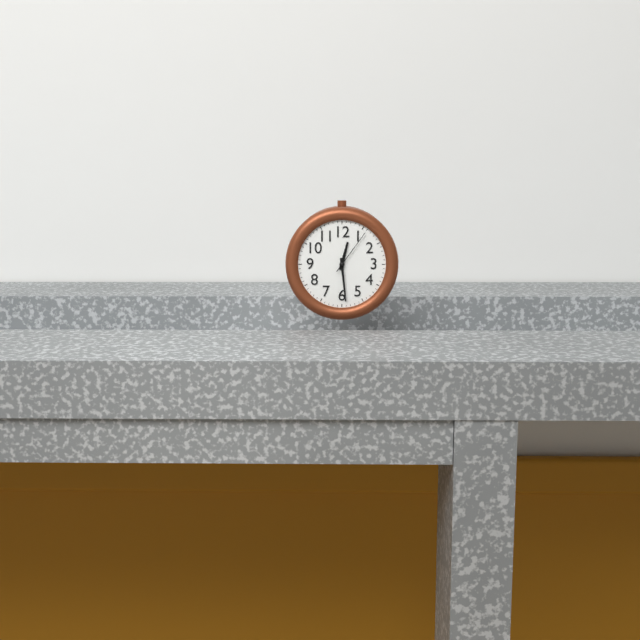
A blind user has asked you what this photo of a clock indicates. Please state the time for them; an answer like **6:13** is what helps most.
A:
**12:29**
